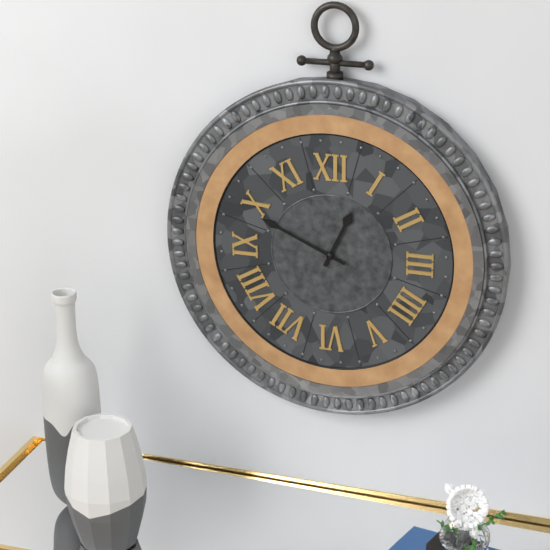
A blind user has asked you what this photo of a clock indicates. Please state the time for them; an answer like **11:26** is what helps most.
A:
**12:49**
